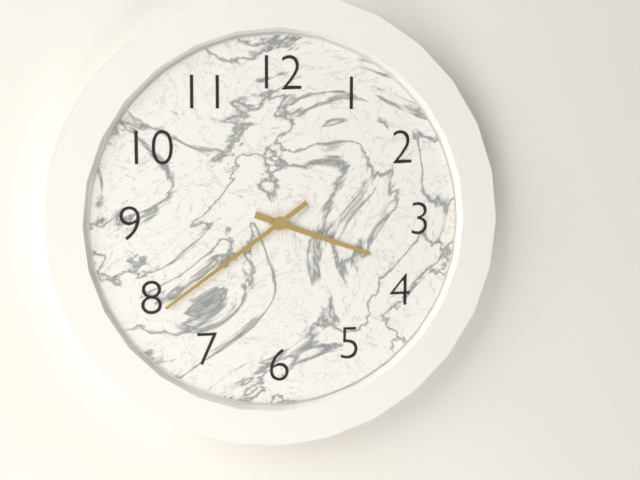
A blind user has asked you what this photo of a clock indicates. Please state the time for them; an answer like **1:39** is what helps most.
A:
**3:39**
